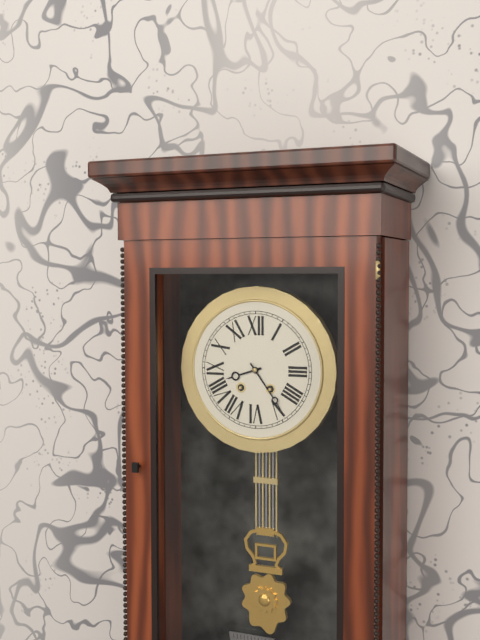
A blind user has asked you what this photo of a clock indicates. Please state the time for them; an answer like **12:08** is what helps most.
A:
**8:24**
